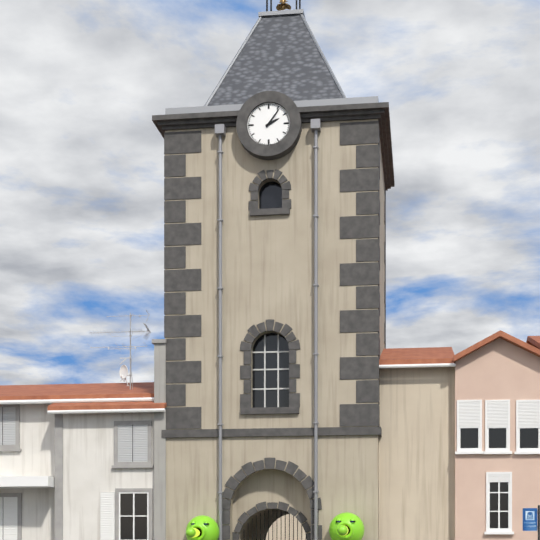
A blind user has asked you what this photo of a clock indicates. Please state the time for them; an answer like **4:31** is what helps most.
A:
**2:06**
